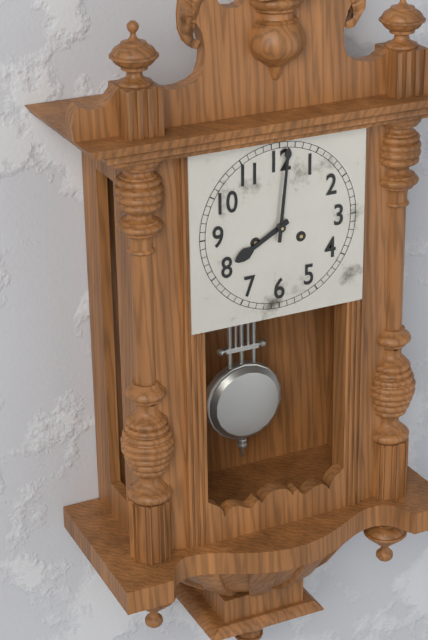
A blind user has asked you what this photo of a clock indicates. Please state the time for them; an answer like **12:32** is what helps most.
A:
**8:01**
